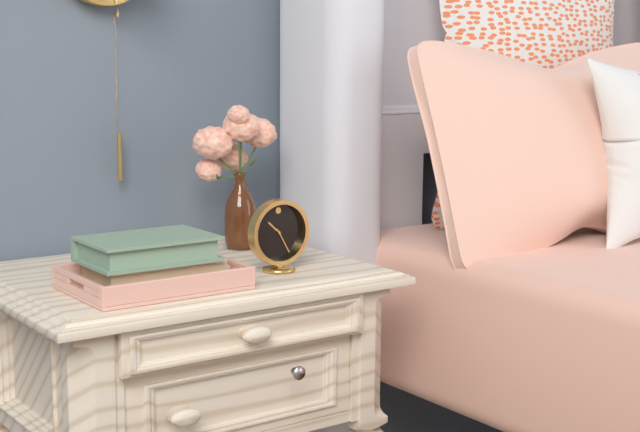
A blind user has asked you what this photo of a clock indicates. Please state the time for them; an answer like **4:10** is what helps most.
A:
**10:25**
